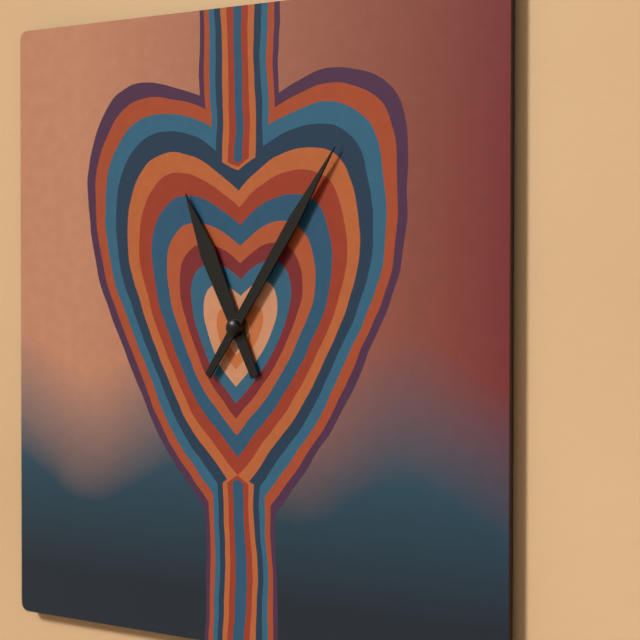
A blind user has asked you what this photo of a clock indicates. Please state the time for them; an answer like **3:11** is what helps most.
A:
**11:06**
